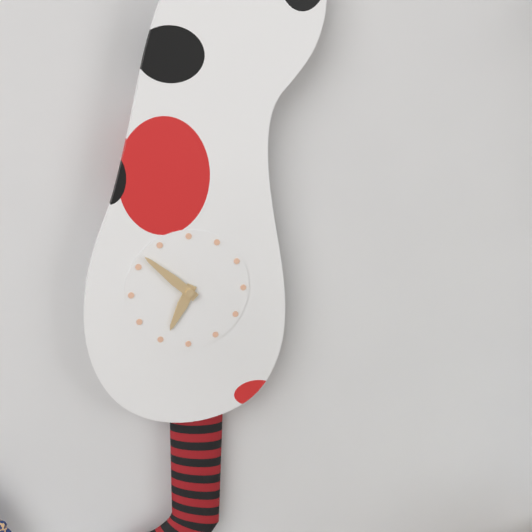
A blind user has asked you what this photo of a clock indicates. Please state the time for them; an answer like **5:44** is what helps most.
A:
**6:52**
